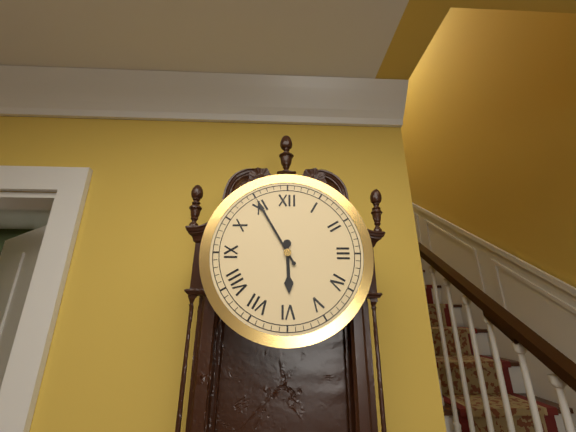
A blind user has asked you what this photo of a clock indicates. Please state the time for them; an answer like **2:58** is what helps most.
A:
**5:55**
